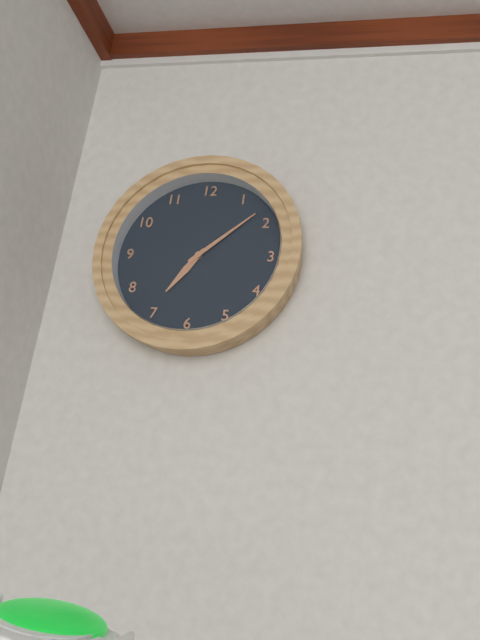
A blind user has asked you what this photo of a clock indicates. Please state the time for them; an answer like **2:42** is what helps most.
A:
**7:08**
